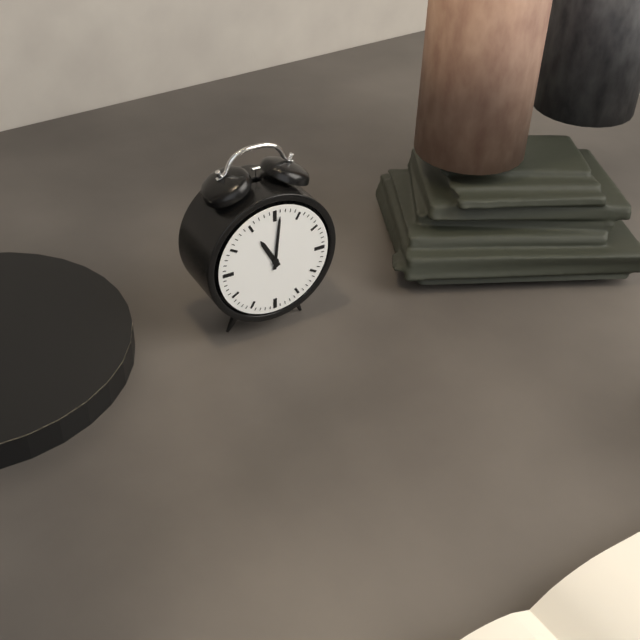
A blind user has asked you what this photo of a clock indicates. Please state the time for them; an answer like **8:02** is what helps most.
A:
**11:01**
